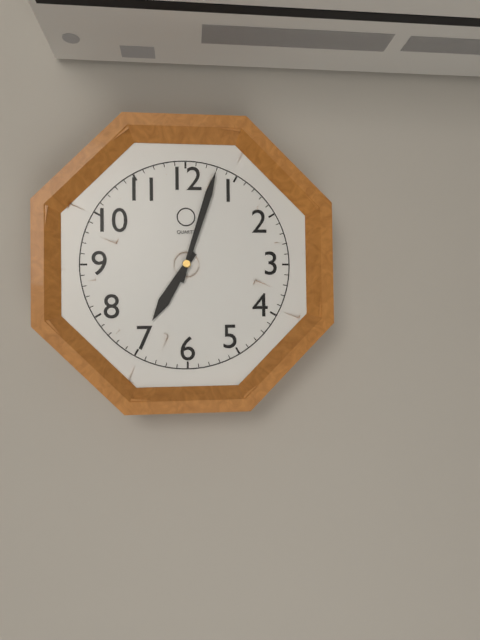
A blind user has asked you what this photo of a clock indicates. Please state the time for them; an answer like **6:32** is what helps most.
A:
**7:03**
